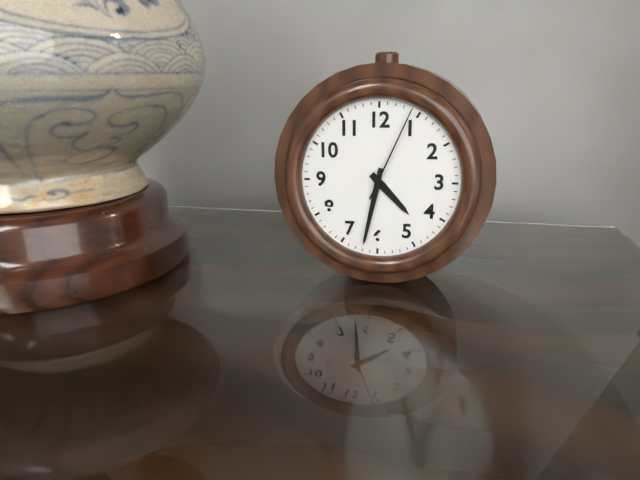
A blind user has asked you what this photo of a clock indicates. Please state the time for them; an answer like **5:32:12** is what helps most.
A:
**4:32:04**
